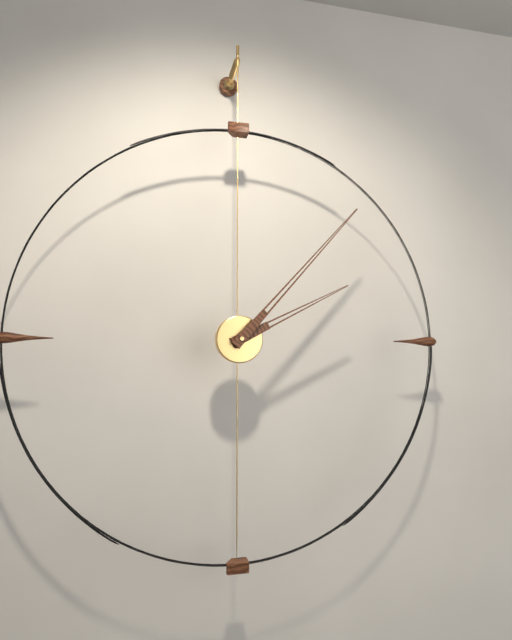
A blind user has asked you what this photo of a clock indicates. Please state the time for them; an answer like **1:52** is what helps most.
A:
**2:07**
